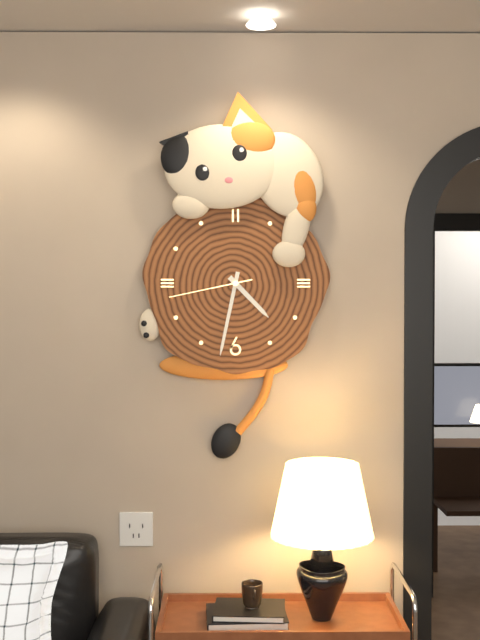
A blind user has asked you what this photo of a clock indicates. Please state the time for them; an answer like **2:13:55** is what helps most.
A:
**4:32:43**
